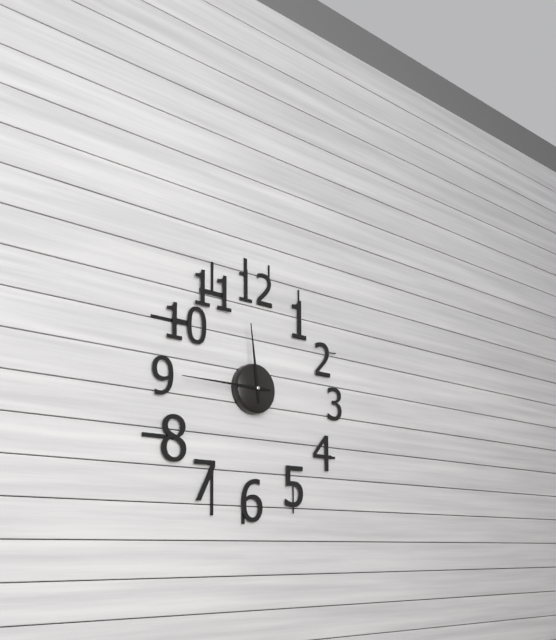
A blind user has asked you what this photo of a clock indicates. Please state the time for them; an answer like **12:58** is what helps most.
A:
**11:45**
